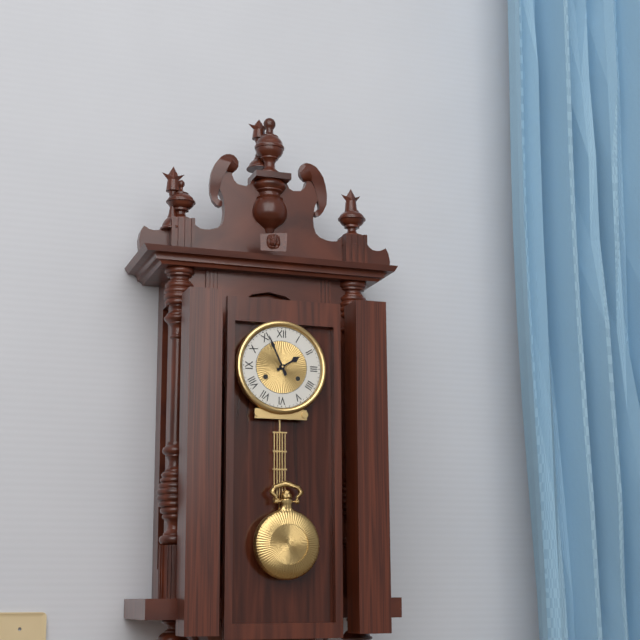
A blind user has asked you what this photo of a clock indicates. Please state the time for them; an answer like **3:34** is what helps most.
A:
**1:56**
